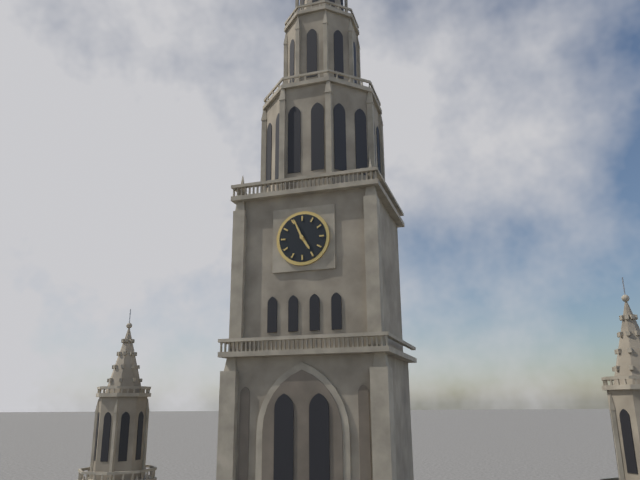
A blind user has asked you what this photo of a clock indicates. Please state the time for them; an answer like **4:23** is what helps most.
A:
**4:56**
